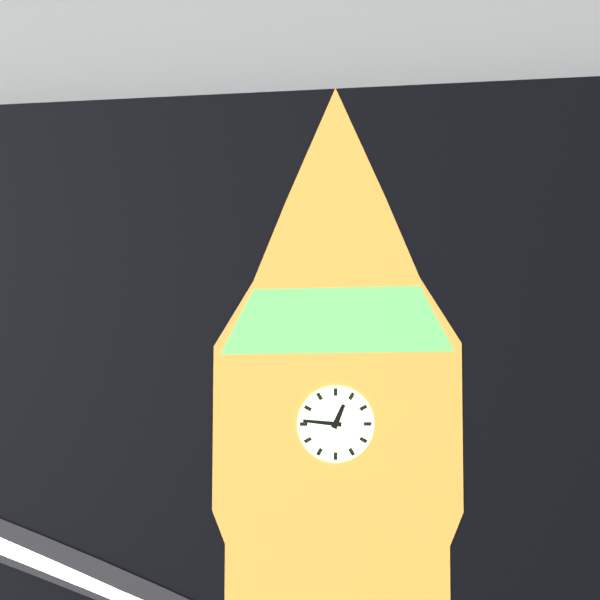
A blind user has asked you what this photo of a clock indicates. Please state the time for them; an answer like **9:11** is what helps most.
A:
**12:46**
